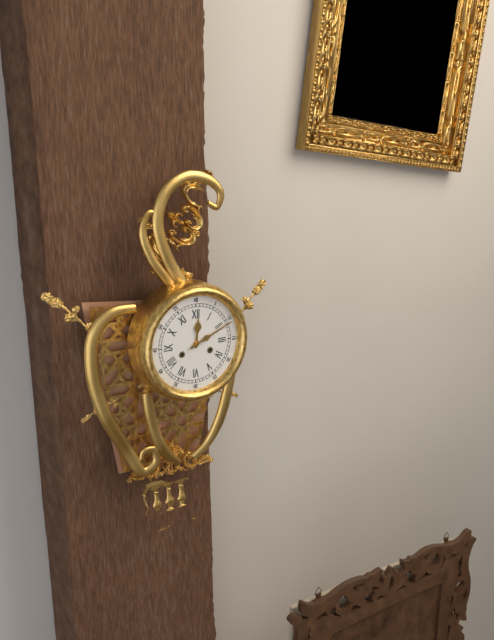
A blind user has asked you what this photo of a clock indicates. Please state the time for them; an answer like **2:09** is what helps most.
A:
**12:11**
